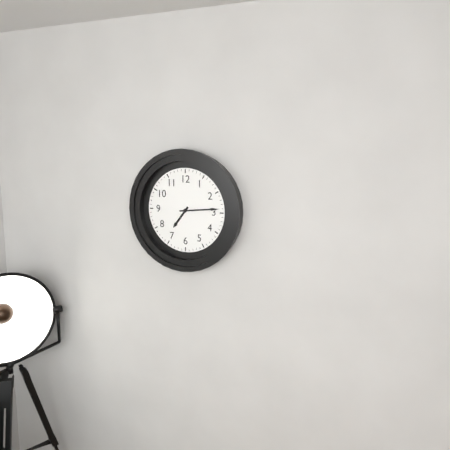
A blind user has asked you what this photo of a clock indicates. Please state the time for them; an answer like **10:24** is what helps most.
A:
**7:14**
